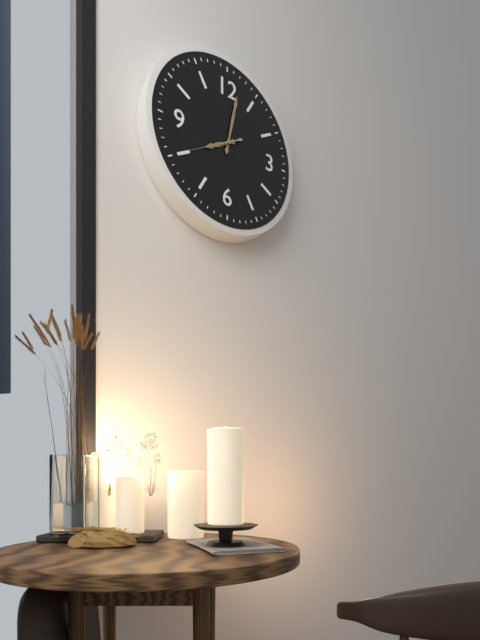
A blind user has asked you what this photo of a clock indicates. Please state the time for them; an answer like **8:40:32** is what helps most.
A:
**8:02:40**
